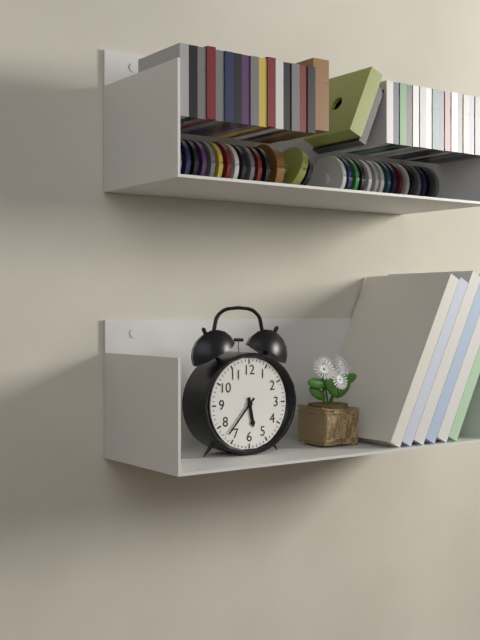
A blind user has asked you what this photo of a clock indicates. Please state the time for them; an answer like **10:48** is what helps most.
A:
**5:37**
